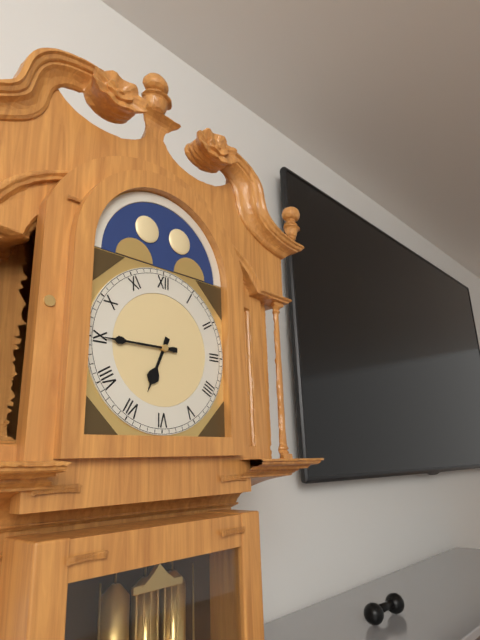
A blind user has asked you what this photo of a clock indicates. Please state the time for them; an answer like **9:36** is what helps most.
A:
**6:45**
